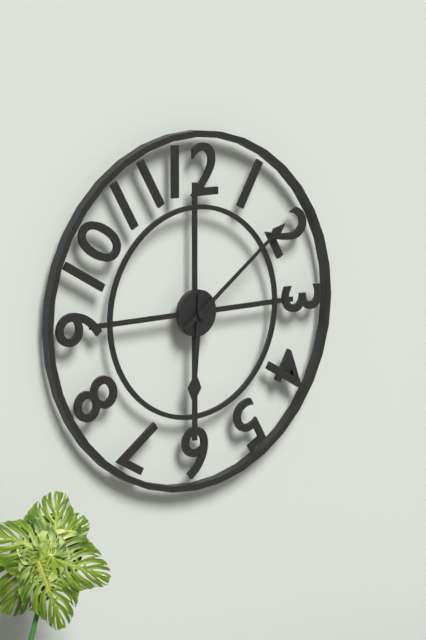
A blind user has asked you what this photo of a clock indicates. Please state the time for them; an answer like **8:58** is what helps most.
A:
**6:09**
